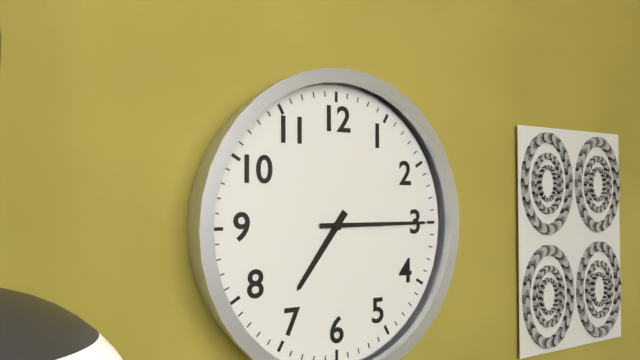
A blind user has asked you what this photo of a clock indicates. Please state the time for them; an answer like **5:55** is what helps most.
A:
**7:15**
